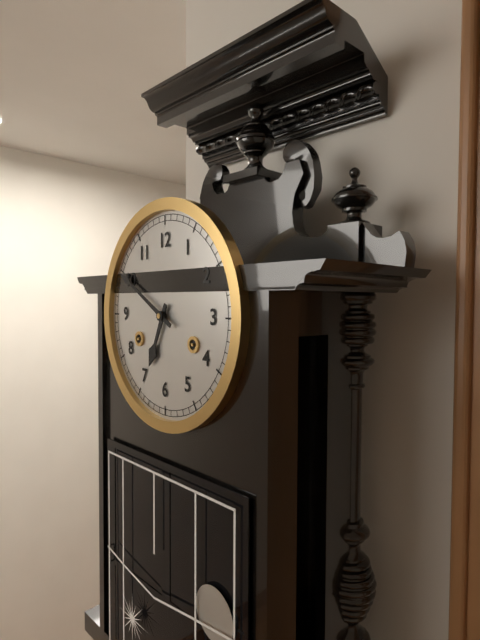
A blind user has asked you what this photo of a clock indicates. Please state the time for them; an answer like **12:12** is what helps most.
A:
**6:50**
